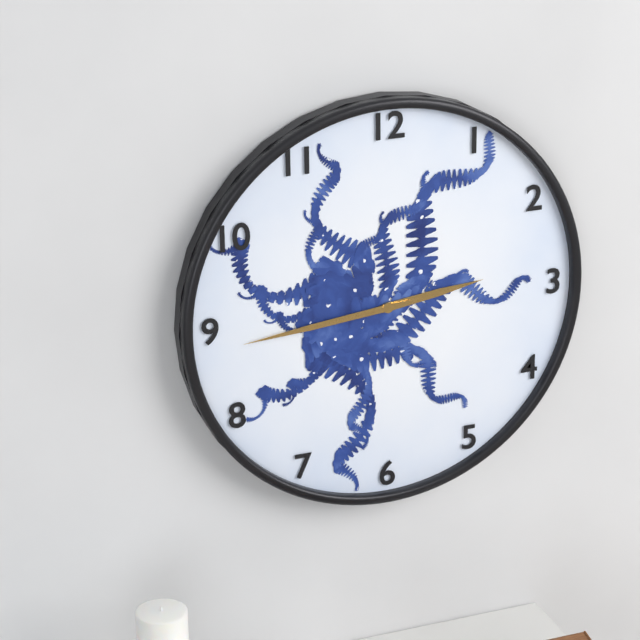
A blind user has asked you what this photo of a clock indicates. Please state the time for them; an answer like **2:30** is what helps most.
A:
**2:44**
